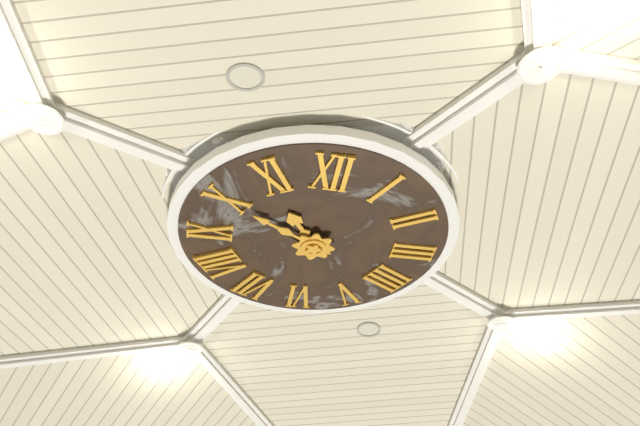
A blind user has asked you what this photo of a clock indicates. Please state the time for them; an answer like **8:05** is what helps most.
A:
**10:50**
